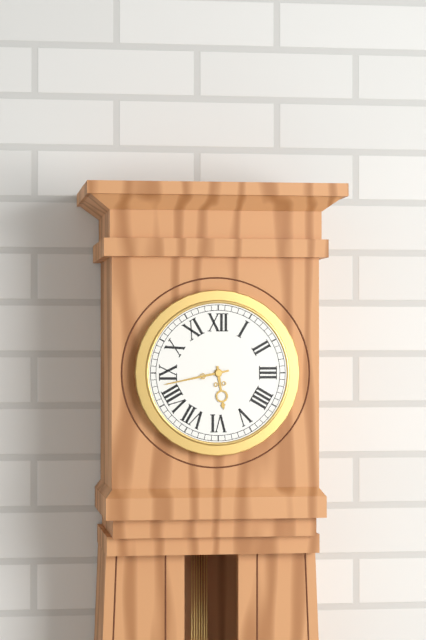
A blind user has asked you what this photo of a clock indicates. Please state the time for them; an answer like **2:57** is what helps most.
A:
**5:43**
